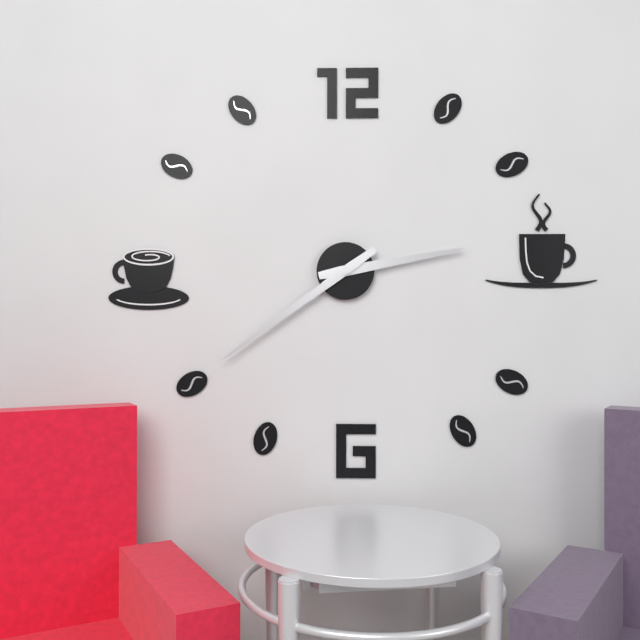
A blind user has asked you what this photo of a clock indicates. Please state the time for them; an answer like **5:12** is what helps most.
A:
**2:39**
